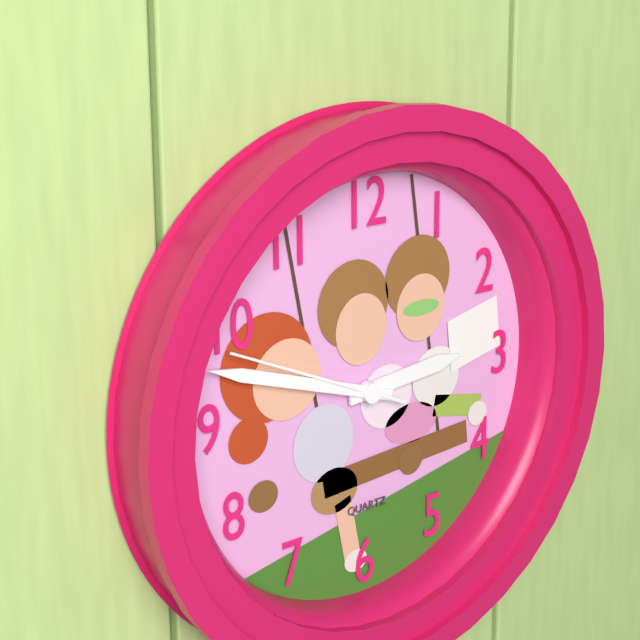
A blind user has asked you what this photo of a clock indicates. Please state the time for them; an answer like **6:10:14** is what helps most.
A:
**2:48:49**
